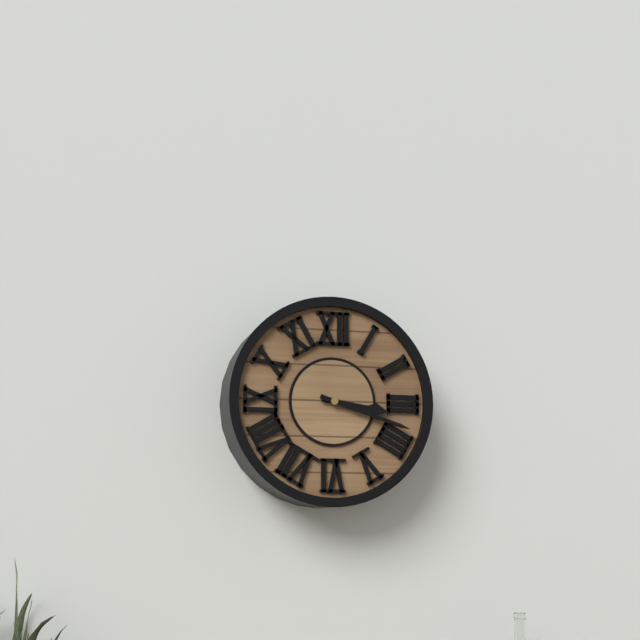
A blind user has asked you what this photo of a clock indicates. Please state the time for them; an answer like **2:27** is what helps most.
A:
**3:18**
